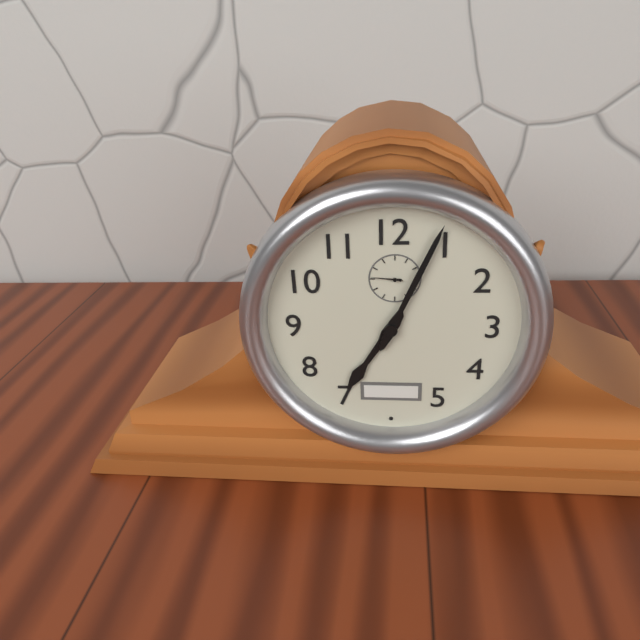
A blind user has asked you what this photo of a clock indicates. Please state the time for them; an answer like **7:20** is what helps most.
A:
**7:04**
